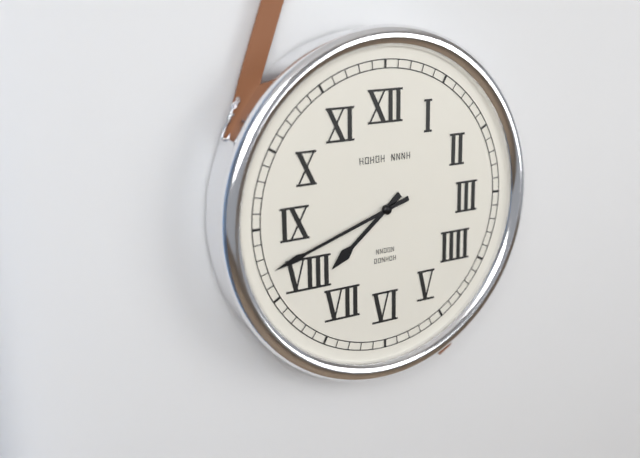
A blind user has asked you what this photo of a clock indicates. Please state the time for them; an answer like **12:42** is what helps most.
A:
**7:42**
